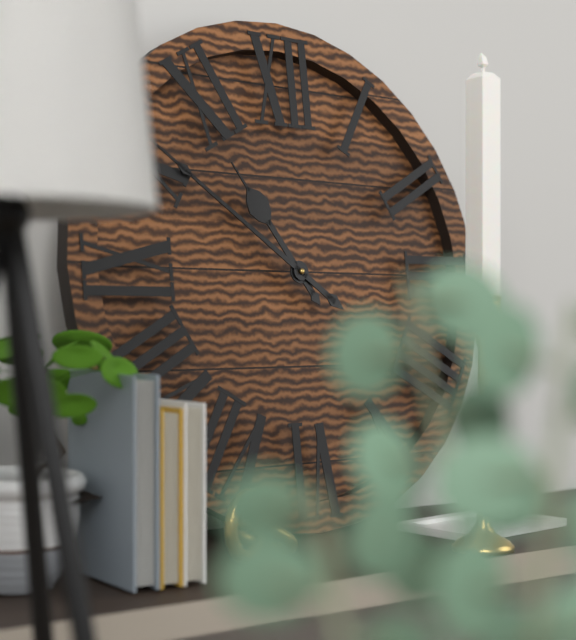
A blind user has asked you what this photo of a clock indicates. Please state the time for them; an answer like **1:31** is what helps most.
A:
**10:51**
